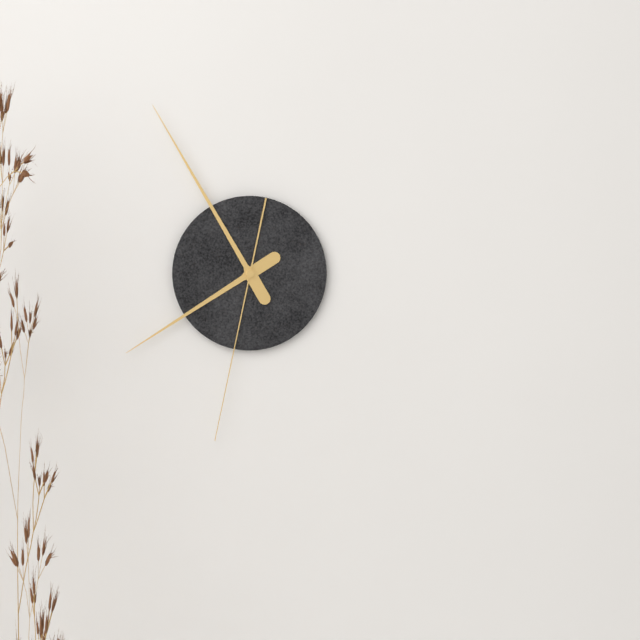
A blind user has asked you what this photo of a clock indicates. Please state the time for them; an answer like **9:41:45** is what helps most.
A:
**7:55:32**
